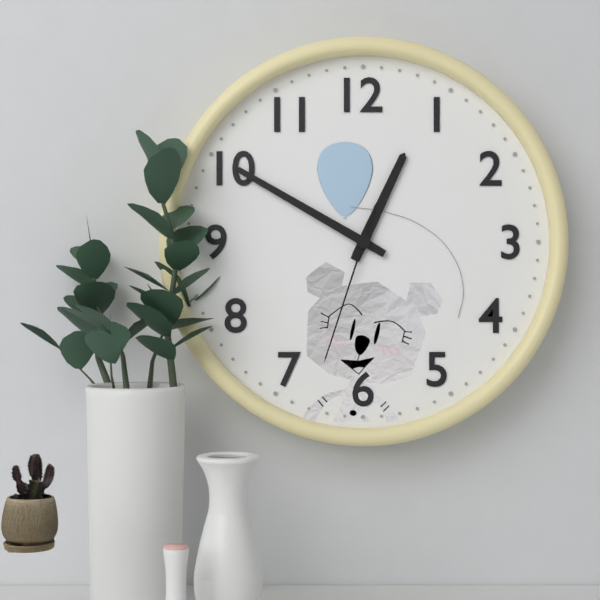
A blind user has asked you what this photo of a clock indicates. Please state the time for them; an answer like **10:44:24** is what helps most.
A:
**12:50:33**
